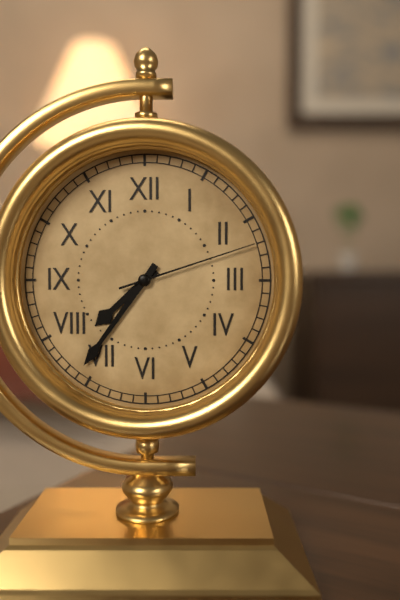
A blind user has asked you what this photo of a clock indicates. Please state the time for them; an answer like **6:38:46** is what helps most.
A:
**7:36:12**
